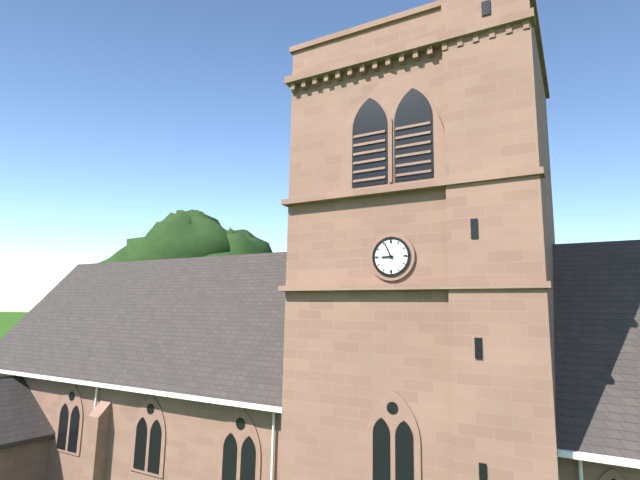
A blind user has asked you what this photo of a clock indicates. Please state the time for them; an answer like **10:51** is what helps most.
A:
**8:56**
